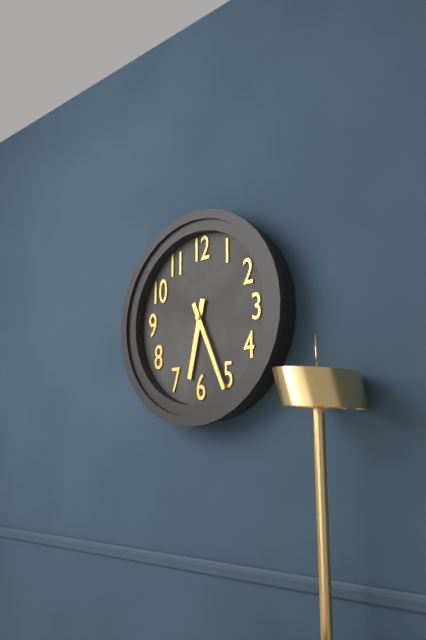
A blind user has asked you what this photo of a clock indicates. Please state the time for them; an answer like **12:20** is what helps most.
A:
**6:26**
